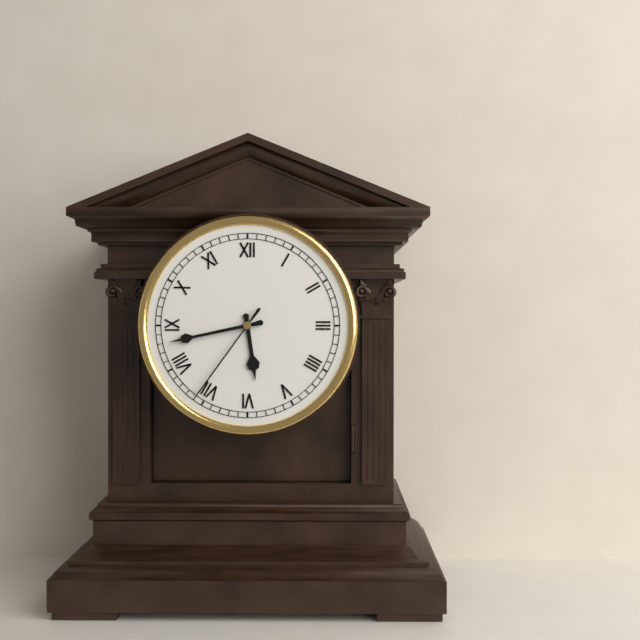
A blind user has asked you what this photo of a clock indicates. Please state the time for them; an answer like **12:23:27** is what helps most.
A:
**5:43:36**
